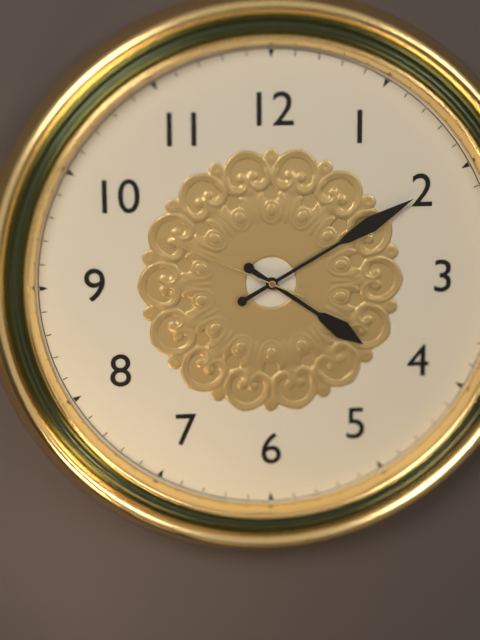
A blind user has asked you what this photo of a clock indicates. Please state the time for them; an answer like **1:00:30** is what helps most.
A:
**4:10:49**
